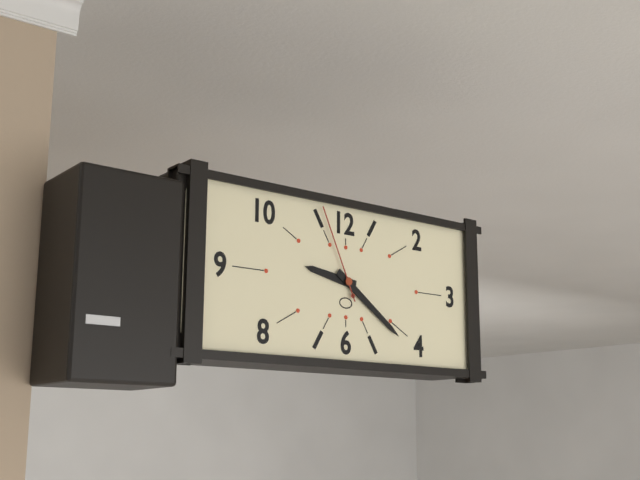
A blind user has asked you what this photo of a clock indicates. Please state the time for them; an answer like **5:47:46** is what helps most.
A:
**9:21:56**
